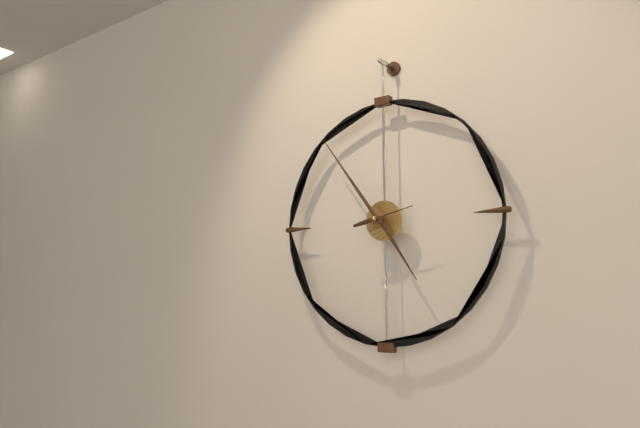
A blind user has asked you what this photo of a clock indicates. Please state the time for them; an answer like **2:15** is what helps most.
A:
**4:54**
